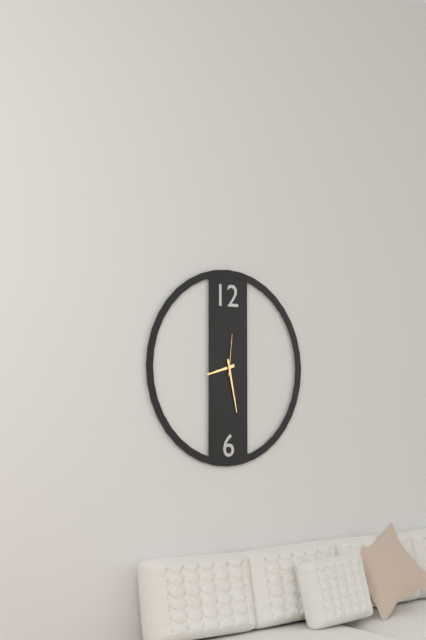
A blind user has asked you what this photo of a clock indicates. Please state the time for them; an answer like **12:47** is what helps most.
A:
**8:28**
